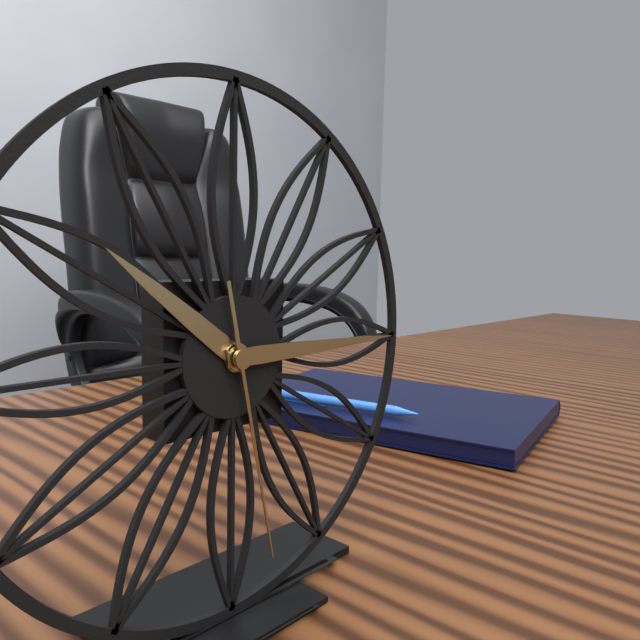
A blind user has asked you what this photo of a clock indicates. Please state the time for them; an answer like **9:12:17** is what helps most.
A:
**10:15:28**
